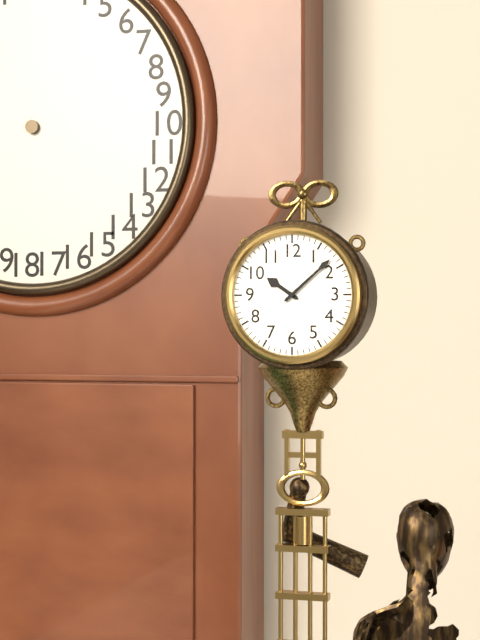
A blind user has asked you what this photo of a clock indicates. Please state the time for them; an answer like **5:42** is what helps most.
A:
**10:08**
